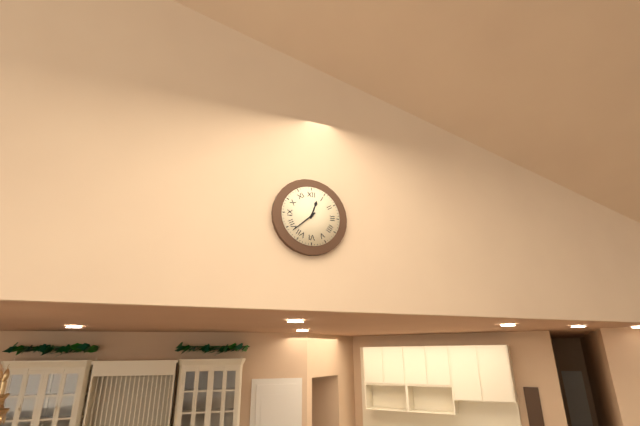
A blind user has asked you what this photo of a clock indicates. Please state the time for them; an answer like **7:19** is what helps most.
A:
**12:38**
